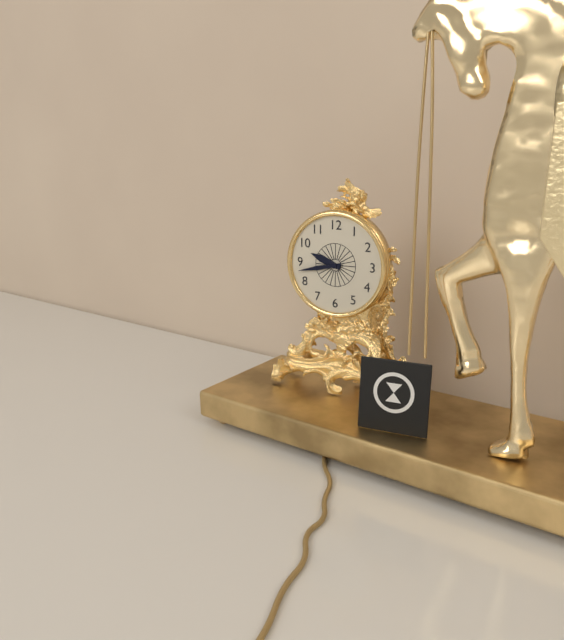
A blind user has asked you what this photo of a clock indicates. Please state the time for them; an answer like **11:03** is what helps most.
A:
**9:43**
